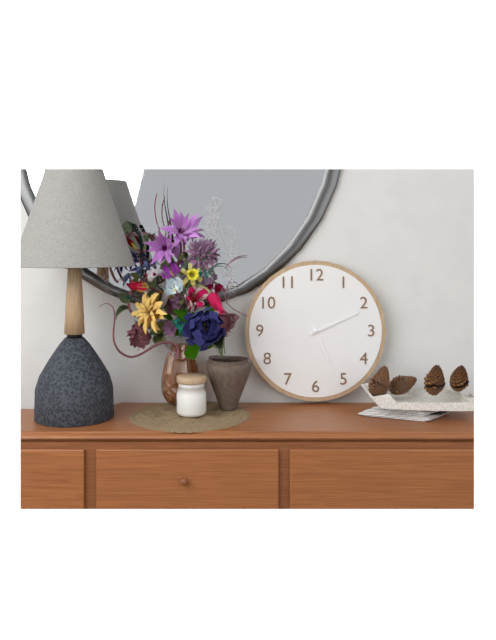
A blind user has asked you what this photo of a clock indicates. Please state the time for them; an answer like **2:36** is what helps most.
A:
**5:11**
